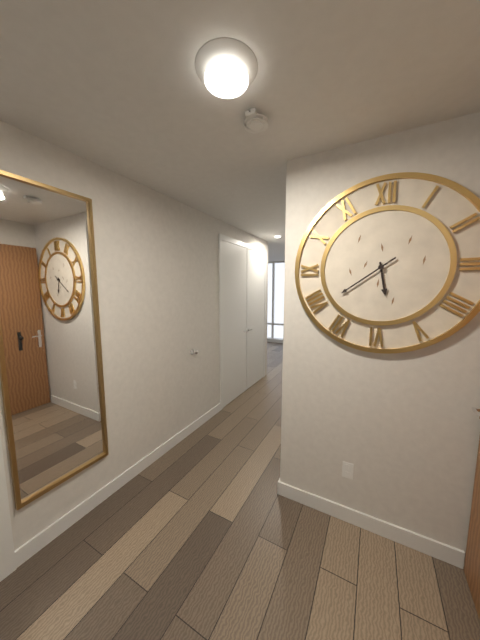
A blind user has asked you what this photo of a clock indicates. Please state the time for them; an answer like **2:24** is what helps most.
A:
**5:39**
